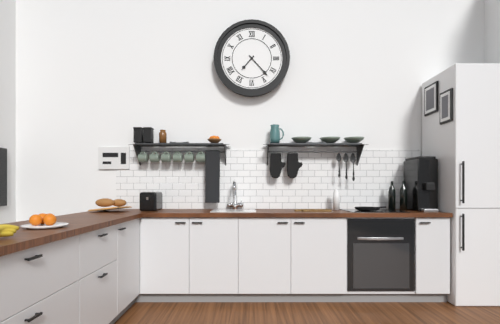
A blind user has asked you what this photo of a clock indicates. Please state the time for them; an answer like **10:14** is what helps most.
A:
**7:23**
